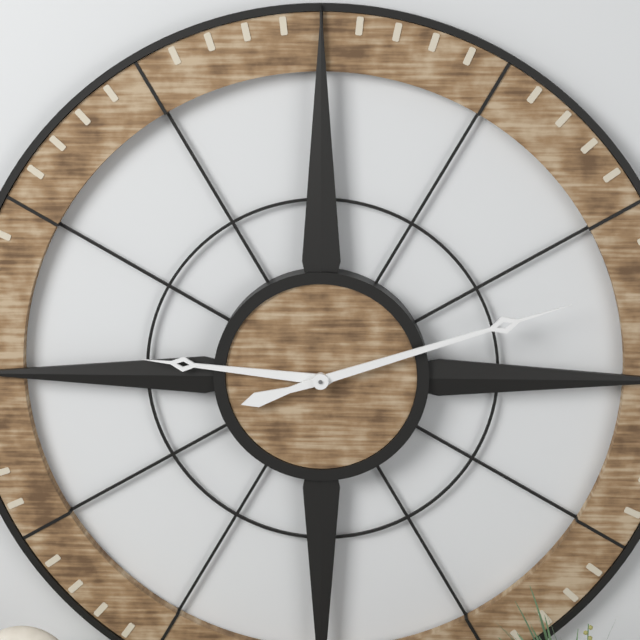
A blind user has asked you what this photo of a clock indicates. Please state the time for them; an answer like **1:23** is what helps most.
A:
**9:12**
